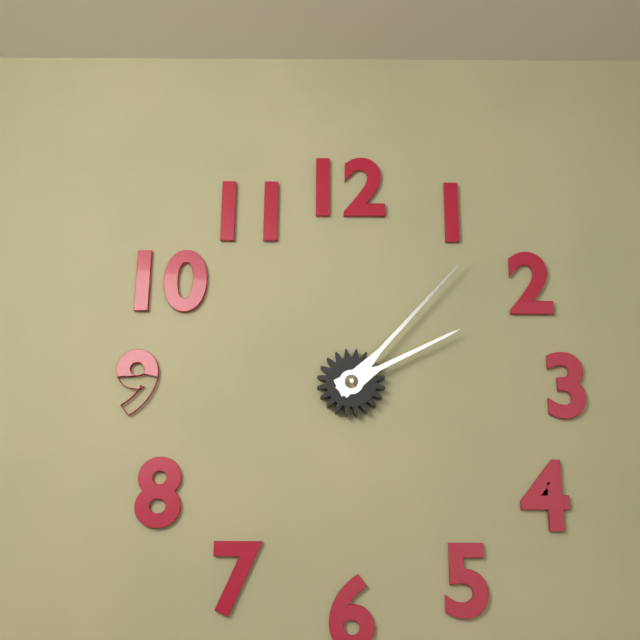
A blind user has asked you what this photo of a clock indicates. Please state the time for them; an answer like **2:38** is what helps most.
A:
**2:07**
